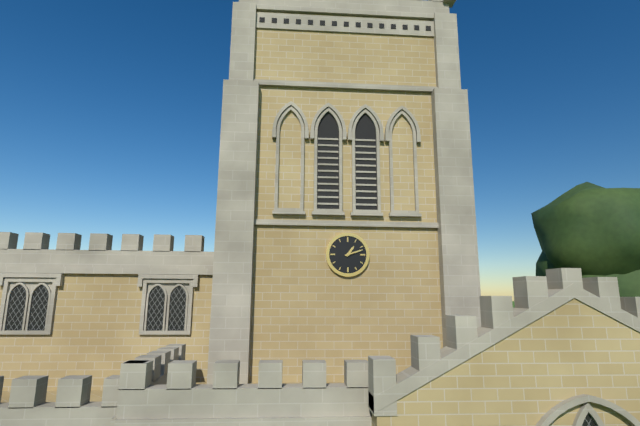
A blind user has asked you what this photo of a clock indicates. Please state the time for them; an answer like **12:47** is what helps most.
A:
**1:12**
